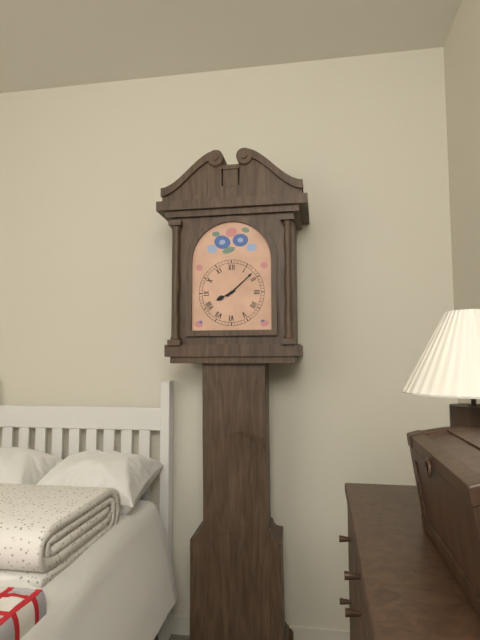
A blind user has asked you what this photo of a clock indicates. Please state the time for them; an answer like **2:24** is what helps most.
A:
**8:08**
